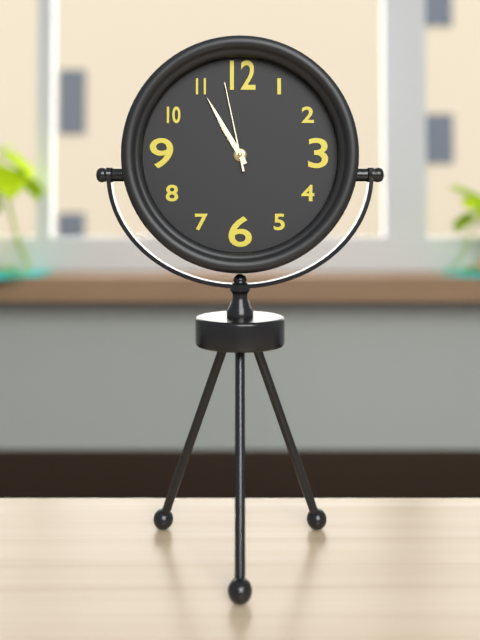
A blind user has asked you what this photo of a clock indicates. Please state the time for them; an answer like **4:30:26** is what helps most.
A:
**10:55:58**
